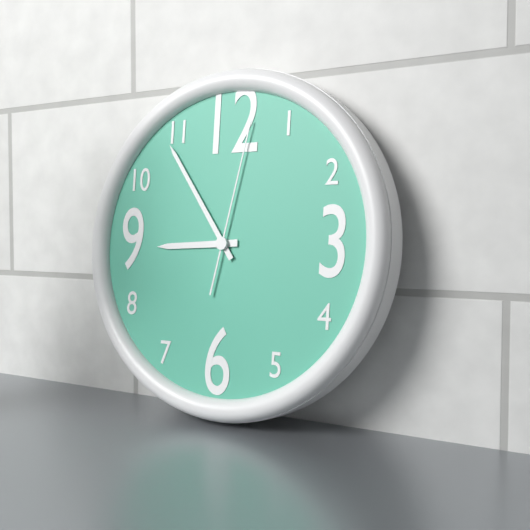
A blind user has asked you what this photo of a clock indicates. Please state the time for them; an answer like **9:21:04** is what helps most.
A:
**8:54:02**
